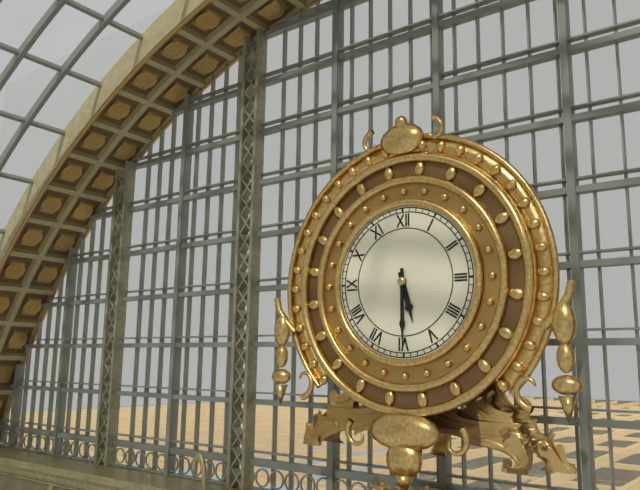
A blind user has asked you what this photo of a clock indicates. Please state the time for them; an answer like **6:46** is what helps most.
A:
**5:30**
